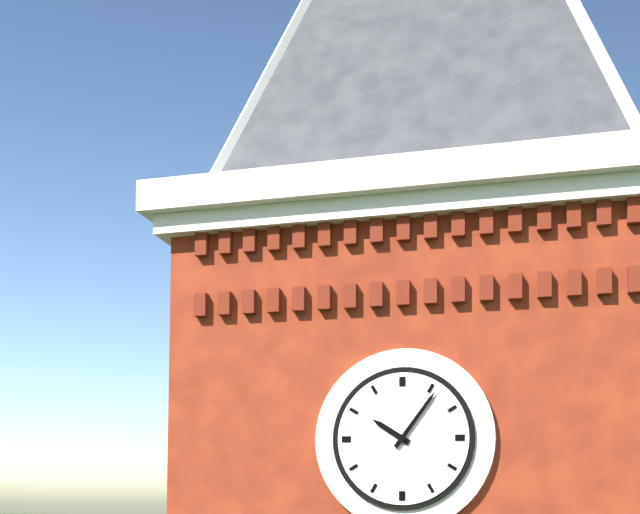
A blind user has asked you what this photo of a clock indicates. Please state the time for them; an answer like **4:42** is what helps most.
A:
**10:06**
